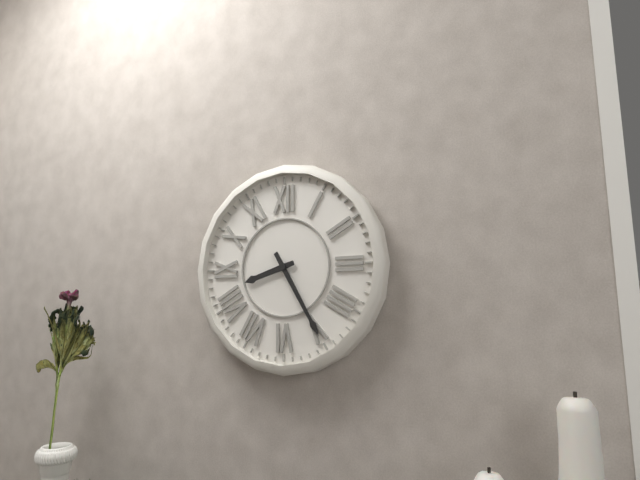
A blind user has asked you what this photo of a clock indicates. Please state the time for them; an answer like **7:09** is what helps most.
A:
**8:25**
